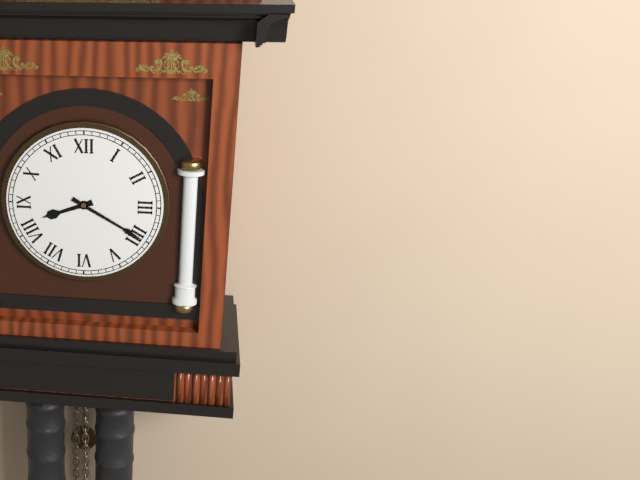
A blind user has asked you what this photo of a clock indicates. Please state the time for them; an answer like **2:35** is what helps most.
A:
**8:20**
